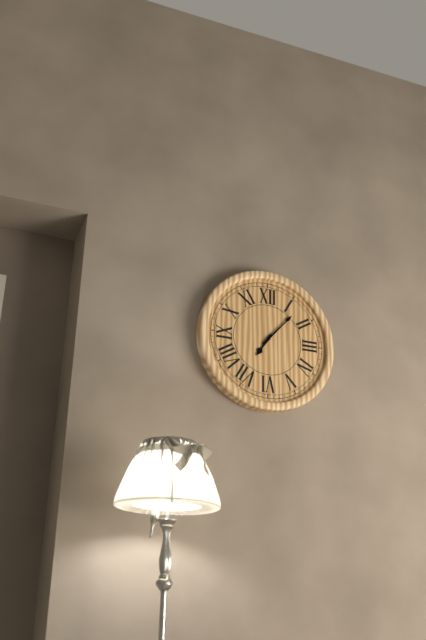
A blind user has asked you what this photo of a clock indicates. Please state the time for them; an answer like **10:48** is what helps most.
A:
**7:07**
